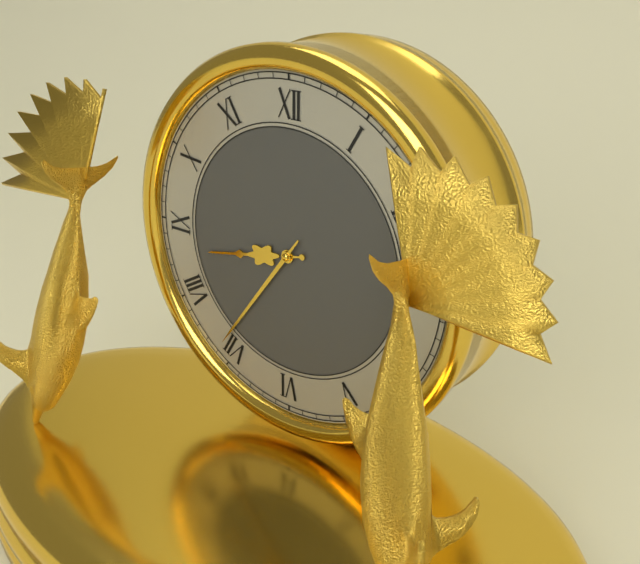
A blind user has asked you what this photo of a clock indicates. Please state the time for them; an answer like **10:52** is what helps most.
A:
**8:36**
